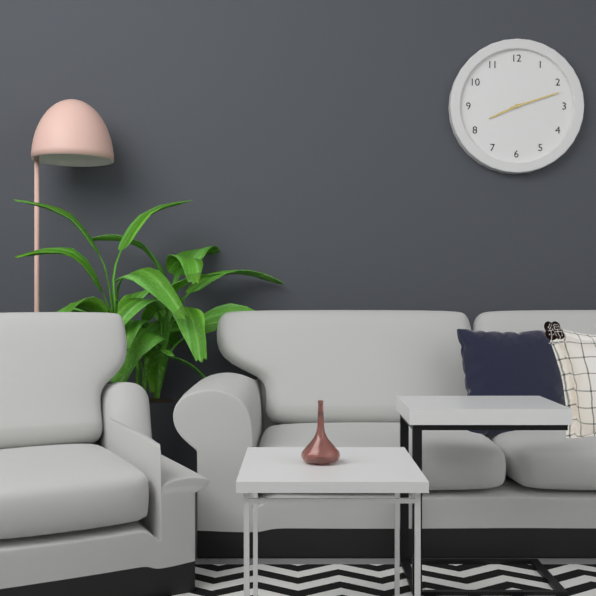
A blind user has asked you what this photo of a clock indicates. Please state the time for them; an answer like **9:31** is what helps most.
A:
**8:12**
